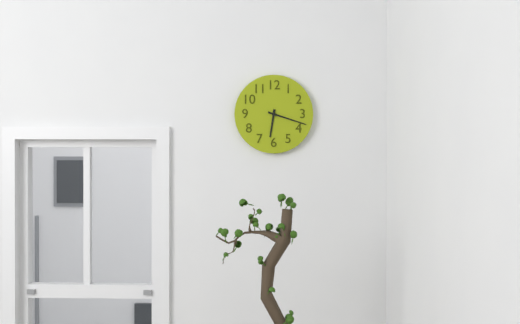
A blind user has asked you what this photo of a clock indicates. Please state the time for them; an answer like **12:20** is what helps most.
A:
**6:18**
